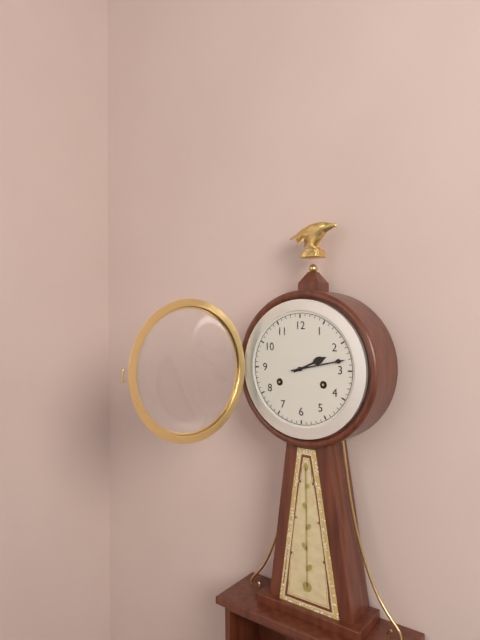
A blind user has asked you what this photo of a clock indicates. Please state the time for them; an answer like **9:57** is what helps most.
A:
**2:13**
